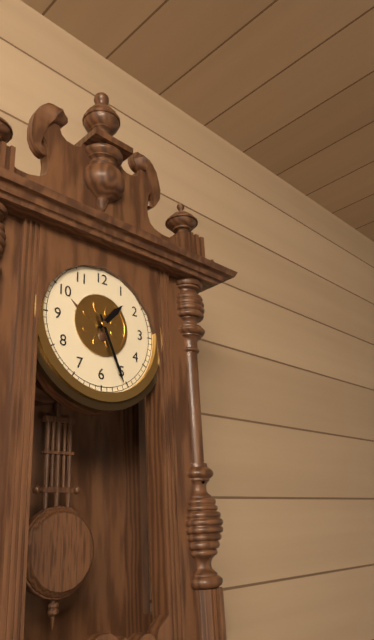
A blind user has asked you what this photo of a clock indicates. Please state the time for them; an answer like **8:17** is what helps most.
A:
**1:26**
